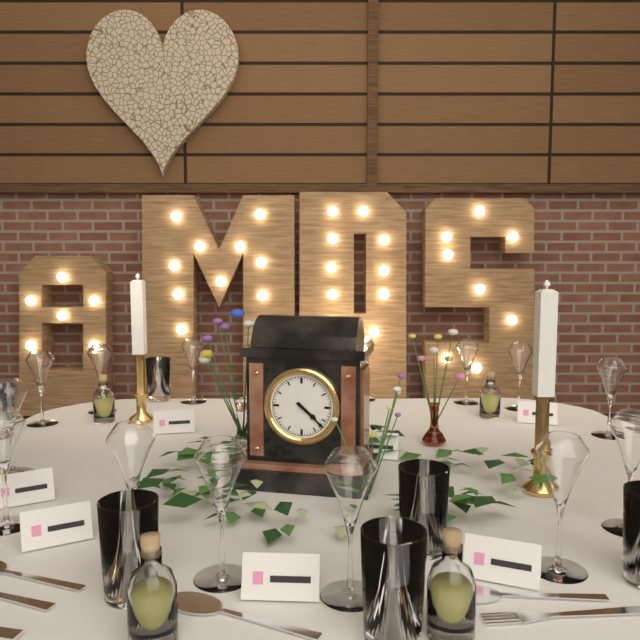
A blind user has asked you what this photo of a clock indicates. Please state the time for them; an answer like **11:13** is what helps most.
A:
**4:22**
